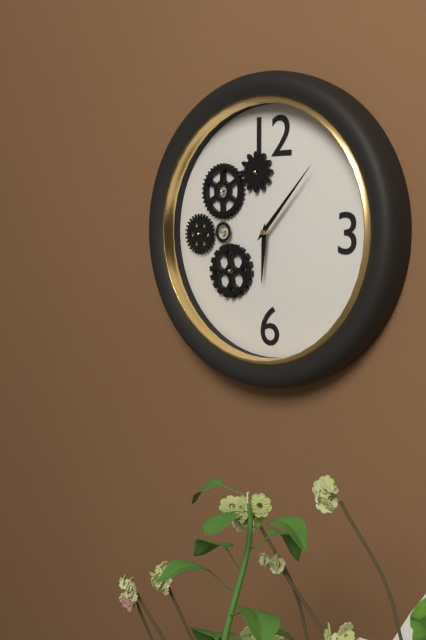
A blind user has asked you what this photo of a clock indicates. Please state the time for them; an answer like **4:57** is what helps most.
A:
**6:07**
